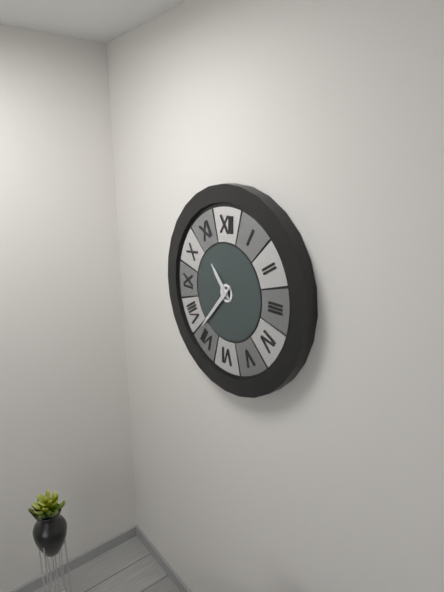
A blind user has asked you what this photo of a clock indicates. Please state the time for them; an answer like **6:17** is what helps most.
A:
**10:37**
